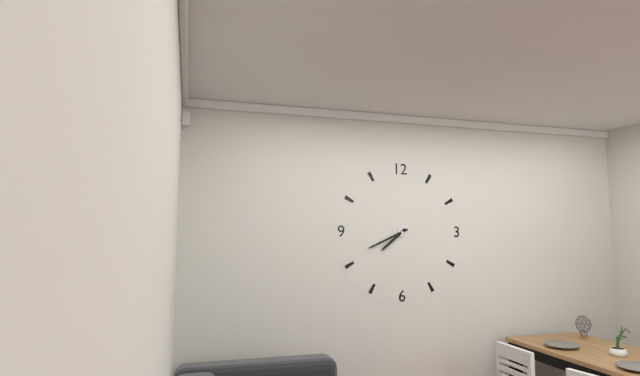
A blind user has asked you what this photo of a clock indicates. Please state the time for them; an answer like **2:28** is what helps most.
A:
**7:41**
